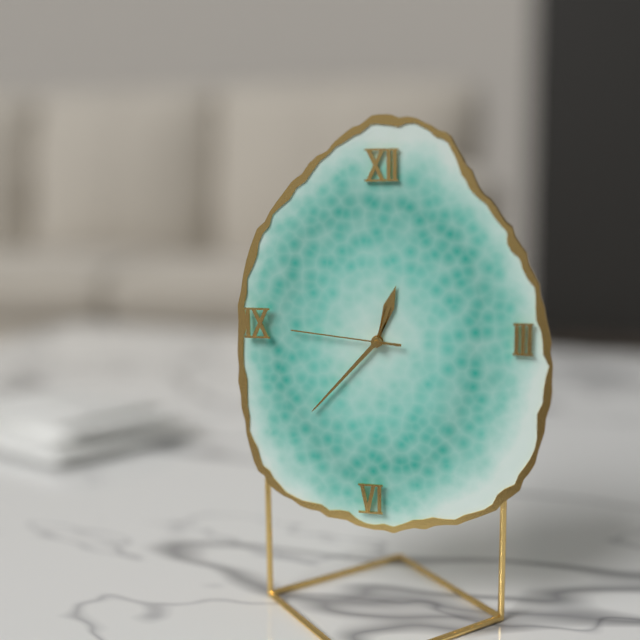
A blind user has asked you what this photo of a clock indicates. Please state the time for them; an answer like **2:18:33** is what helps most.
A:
**12:37:46**
